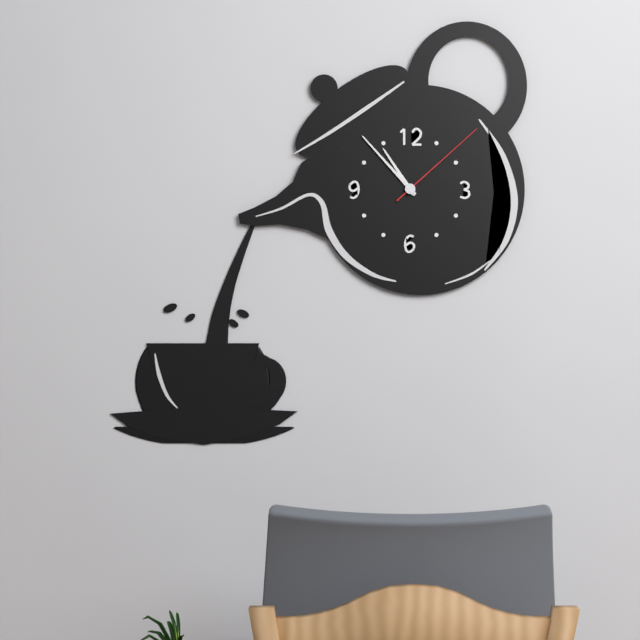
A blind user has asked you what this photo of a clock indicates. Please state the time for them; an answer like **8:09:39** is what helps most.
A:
**10:53:08**
